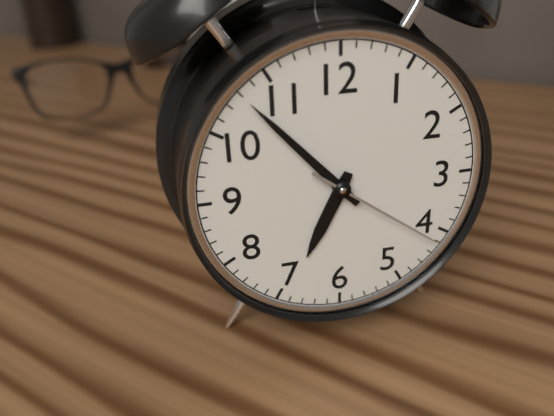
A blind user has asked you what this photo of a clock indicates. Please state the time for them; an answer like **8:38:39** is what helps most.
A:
**6:53:21**
